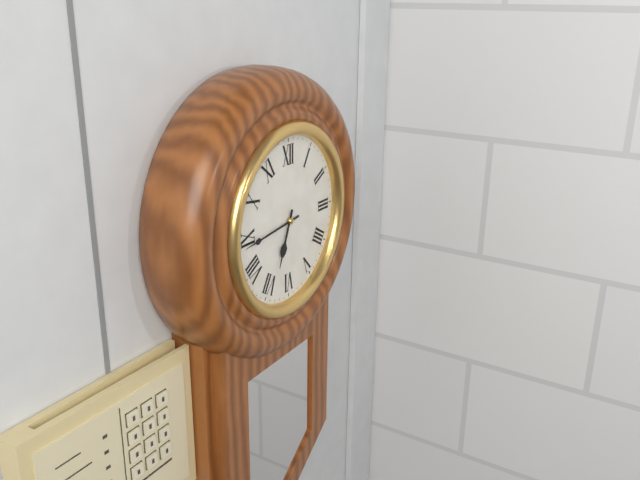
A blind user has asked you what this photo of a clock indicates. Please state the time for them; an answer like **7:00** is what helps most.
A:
**6:44**
